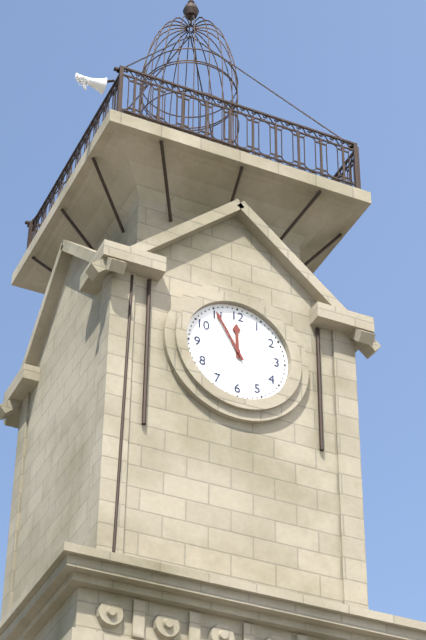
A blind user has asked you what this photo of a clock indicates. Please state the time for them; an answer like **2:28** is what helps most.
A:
**11:55**
